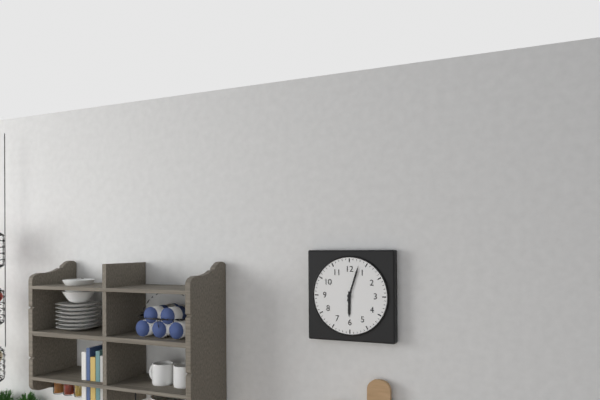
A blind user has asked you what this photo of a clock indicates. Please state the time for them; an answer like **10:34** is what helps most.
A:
**6:03**
